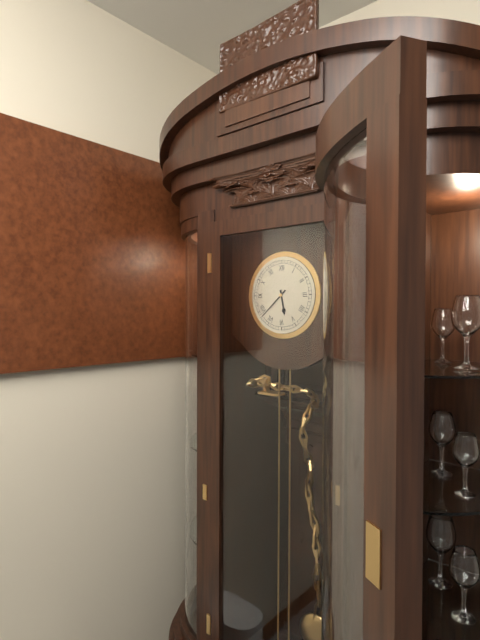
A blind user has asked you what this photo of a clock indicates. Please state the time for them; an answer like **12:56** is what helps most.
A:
**5:38**
